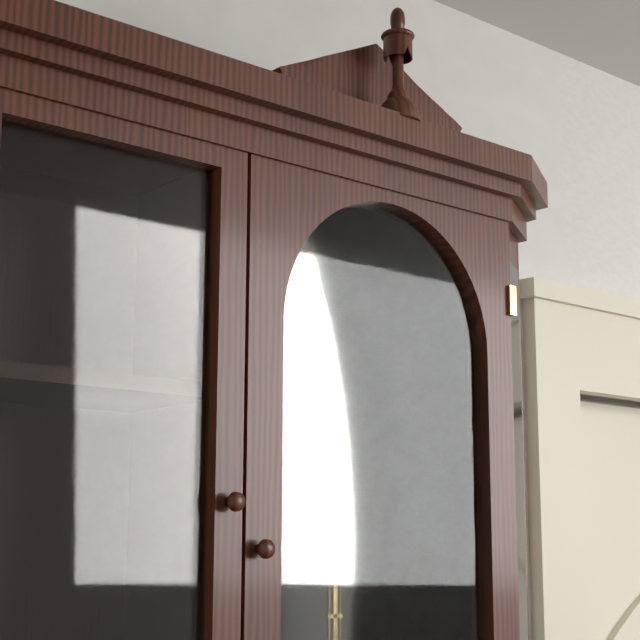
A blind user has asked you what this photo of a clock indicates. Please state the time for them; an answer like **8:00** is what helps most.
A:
**7:52**
